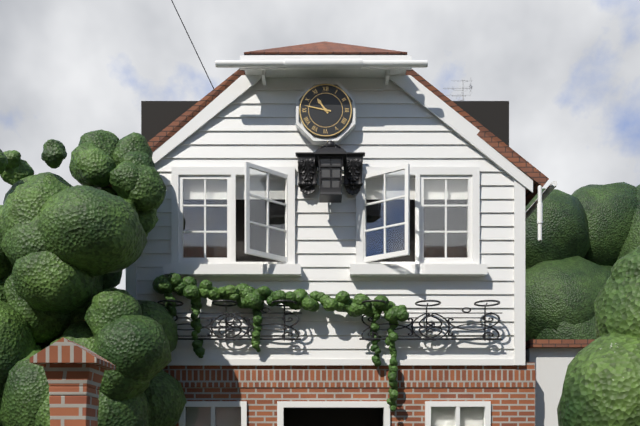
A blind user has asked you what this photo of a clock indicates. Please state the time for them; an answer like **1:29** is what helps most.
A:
**10:47**
